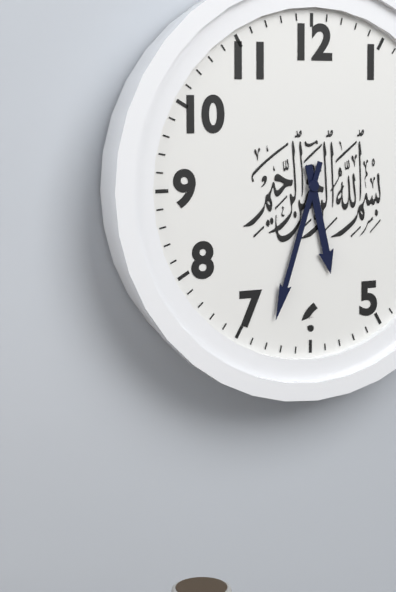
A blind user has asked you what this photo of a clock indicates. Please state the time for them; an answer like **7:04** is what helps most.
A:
**5:33**
